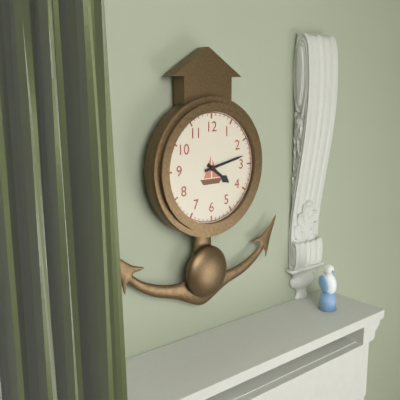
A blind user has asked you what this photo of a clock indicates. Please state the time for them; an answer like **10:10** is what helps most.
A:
**4:13**
